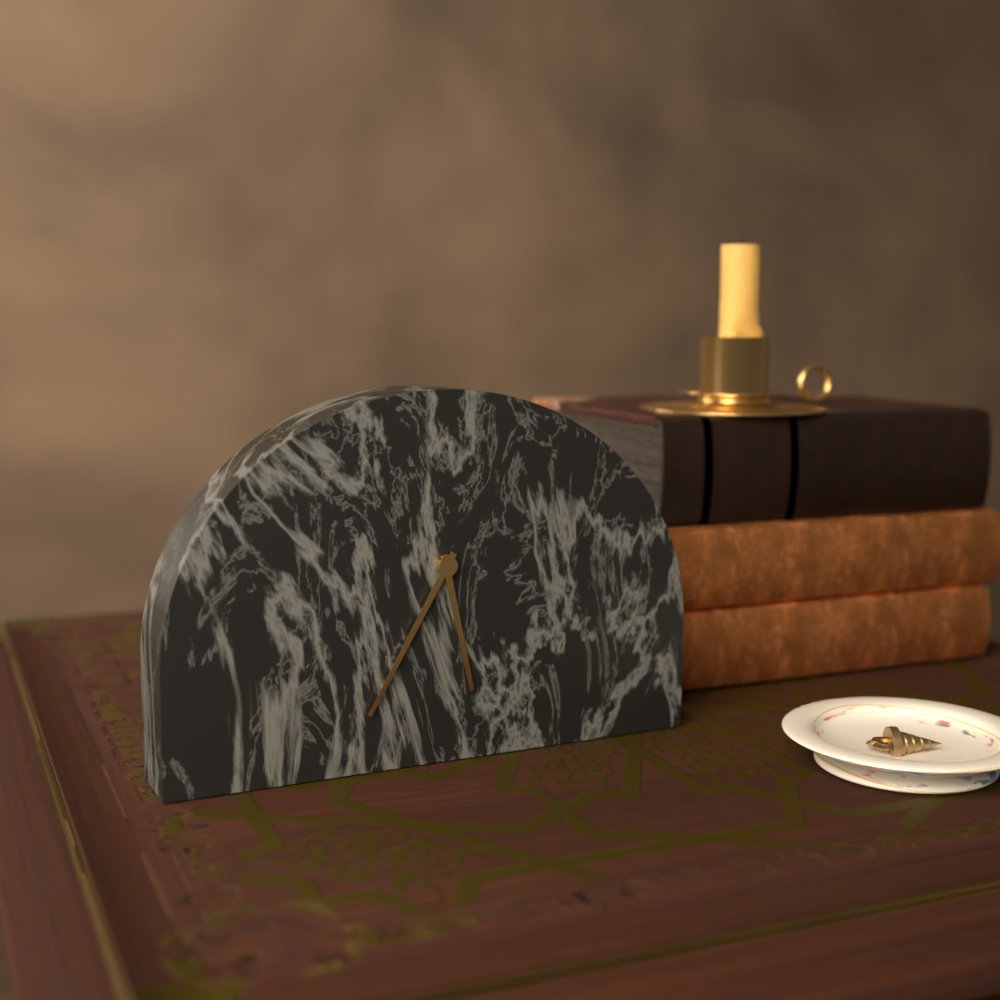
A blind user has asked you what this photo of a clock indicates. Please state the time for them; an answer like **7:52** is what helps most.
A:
**5:35**
